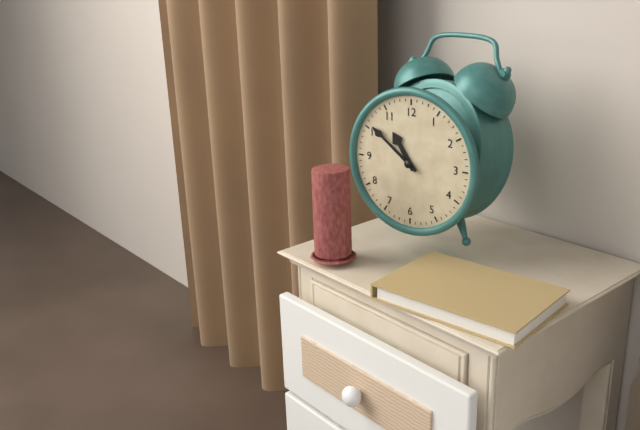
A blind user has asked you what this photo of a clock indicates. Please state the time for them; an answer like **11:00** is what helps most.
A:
**10:51**
